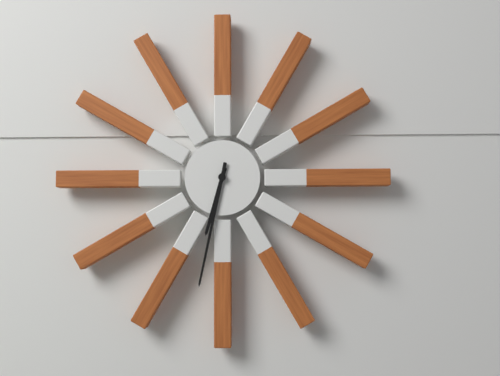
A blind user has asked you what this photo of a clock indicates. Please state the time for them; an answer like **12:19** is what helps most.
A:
**6:32**
